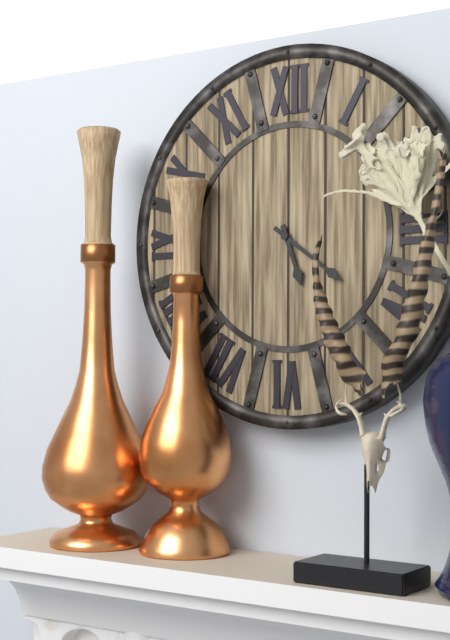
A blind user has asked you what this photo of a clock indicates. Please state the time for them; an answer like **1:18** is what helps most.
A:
**5:21**
